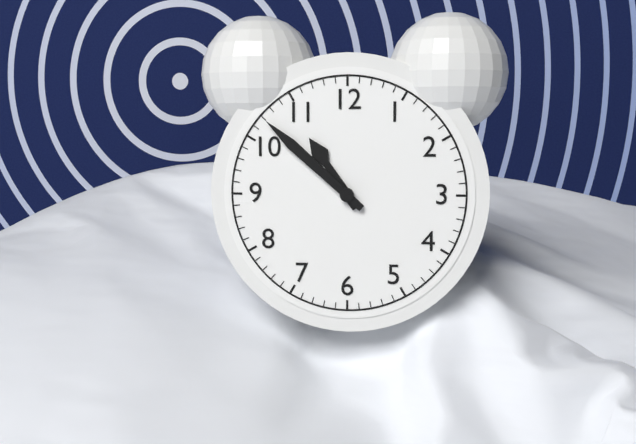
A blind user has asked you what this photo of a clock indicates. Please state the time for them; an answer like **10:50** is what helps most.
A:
**10:52**
